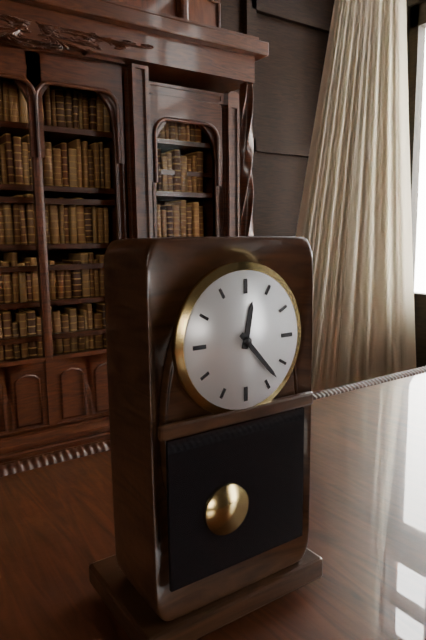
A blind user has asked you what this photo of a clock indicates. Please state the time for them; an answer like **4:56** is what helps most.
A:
**12:23**
